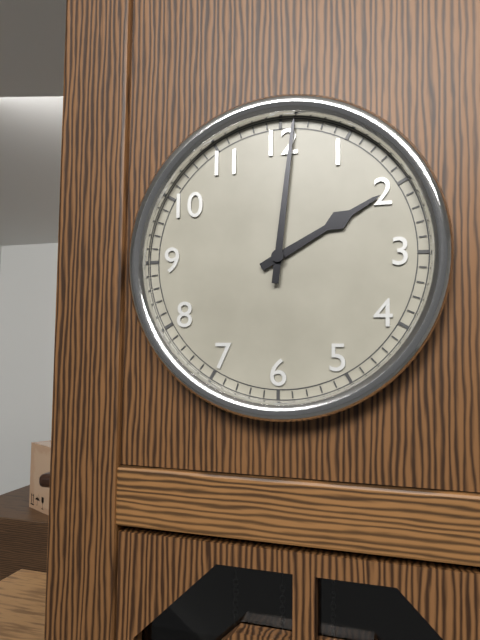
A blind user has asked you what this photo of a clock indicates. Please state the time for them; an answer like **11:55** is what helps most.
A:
**2:01**
